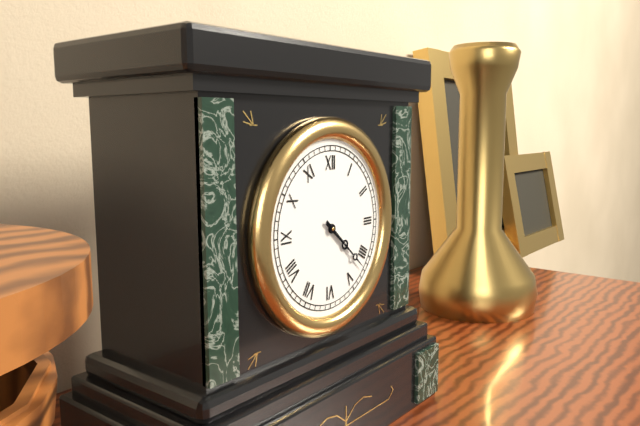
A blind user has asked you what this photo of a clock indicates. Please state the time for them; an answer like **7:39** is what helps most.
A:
**4:22**
